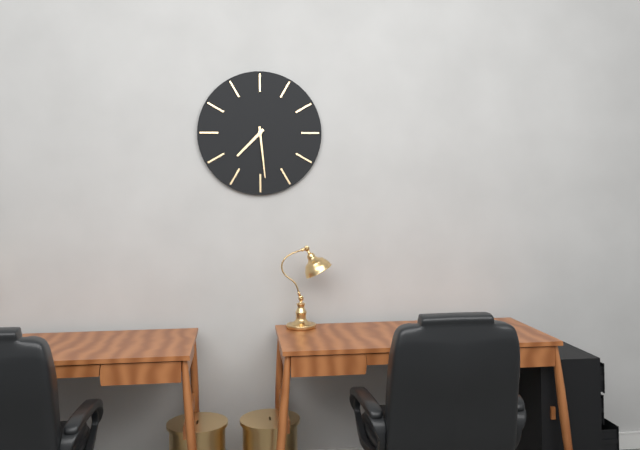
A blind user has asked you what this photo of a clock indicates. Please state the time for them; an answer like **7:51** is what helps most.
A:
**7:29**
